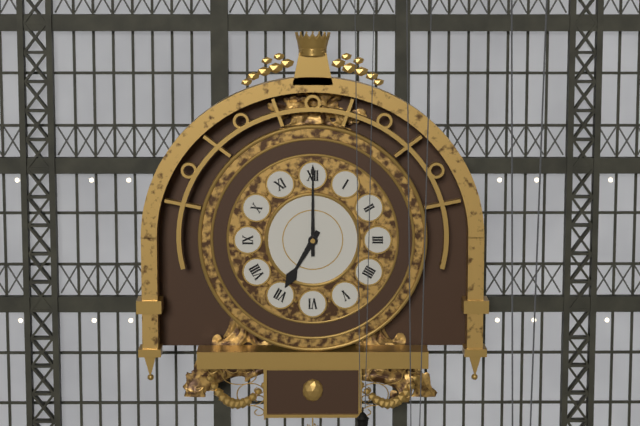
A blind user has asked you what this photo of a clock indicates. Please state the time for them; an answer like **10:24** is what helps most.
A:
**7:00**
